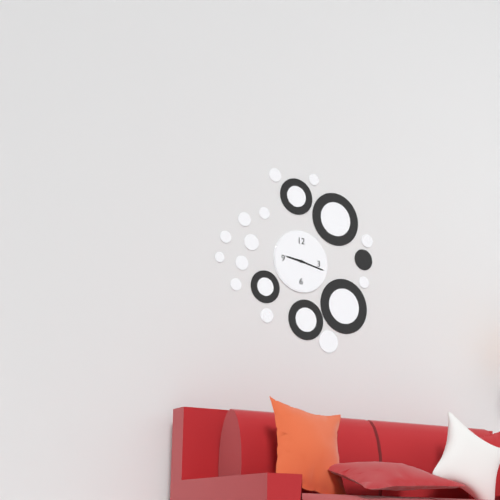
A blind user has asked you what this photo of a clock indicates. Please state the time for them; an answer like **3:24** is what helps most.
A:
**9:17**
